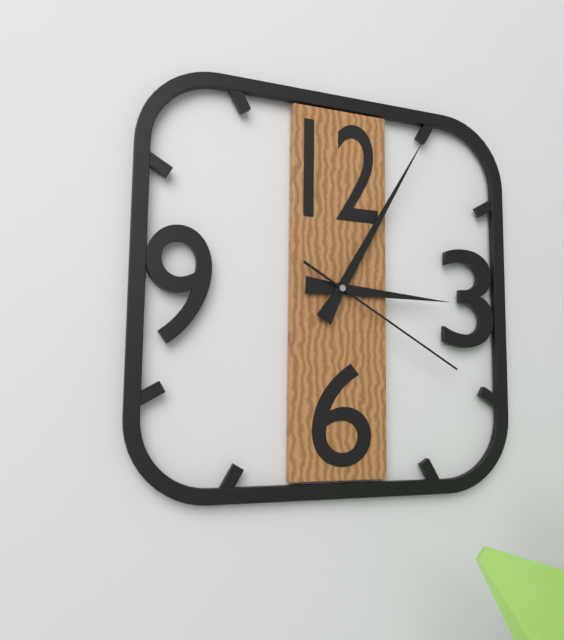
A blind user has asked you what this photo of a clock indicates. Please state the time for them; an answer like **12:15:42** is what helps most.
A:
**3:05:20**
